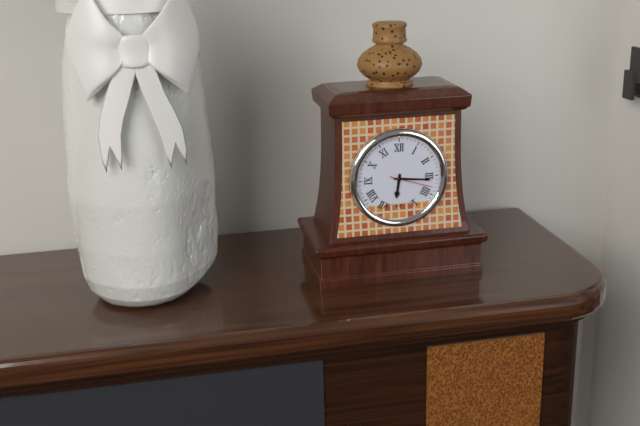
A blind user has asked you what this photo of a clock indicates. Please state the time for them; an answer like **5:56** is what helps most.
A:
**6:16**
